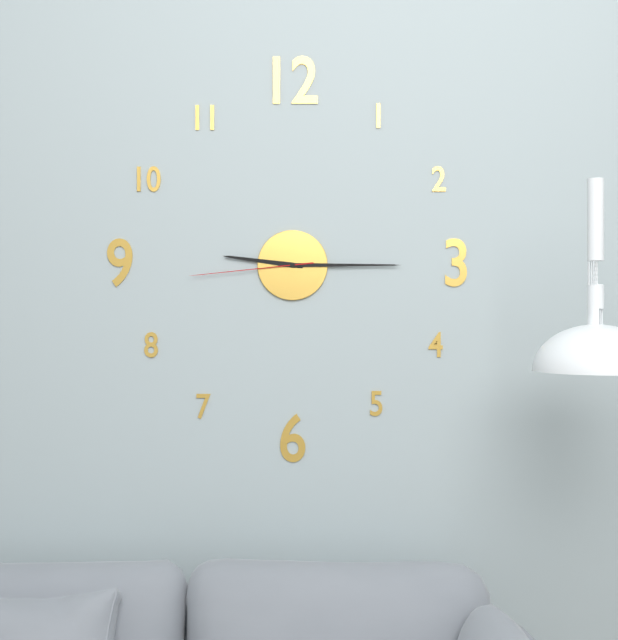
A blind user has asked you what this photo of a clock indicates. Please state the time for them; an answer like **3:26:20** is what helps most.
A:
**9:15:44**
